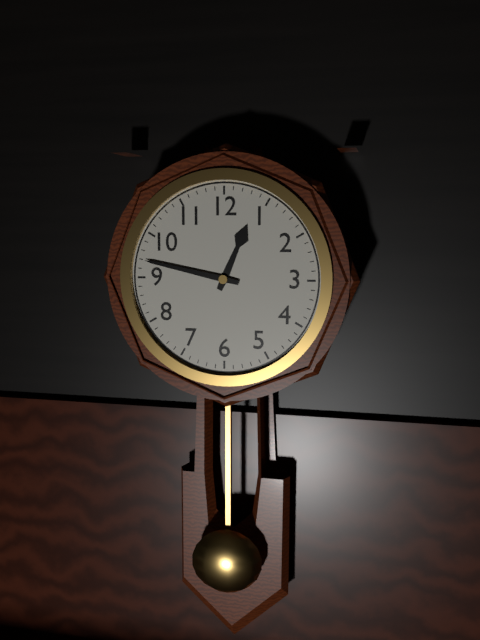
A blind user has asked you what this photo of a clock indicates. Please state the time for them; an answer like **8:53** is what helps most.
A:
**12:47**
